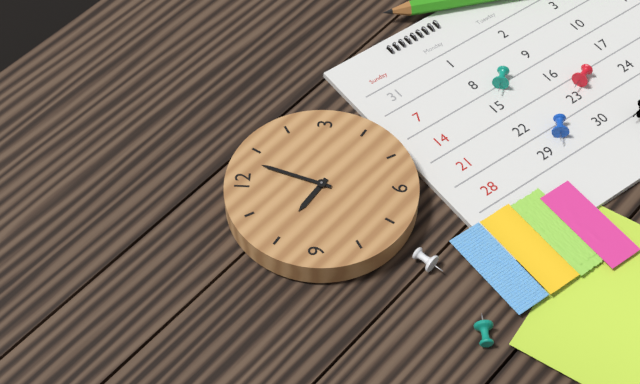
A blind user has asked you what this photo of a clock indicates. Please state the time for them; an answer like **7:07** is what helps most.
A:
**10:03**
